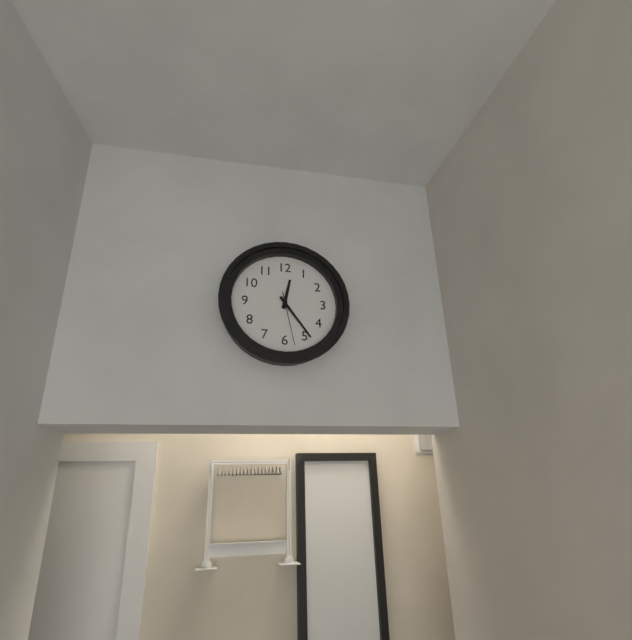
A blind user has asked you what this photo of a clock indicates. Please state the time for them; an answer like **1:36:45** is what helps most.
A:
**12:24:28**
